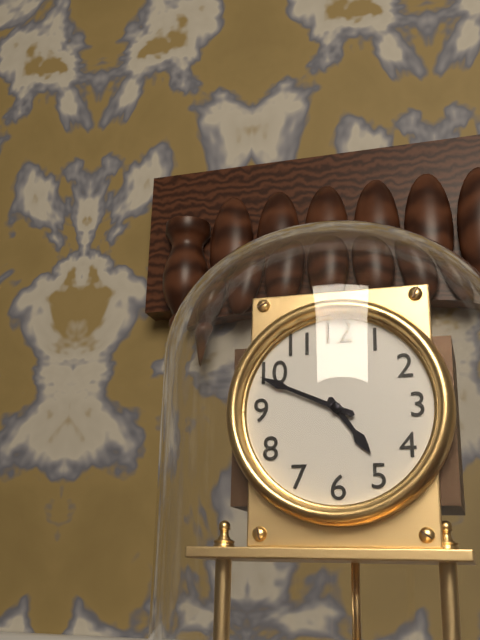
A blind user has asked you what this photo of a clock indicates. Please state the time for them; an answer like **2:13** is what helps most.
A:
**4:49**
